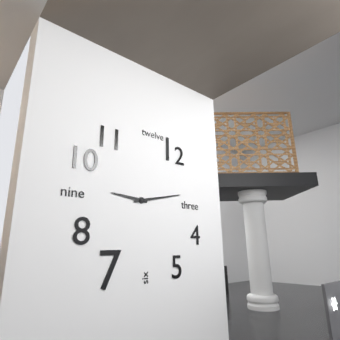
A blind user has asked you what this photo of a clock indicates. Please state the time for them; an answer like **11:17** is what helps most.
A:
**9:13**
